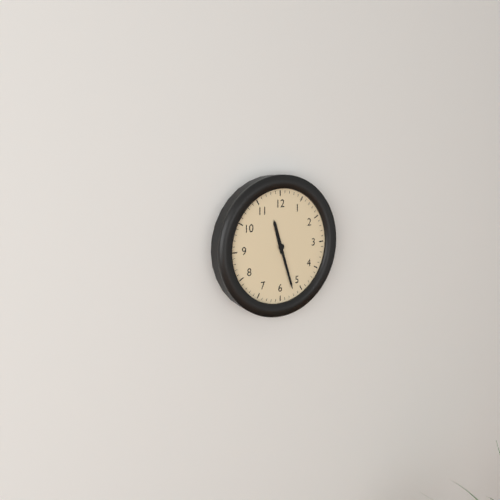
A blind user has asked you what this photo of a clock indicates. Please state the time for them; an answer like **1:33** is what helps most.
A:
**11:27**
